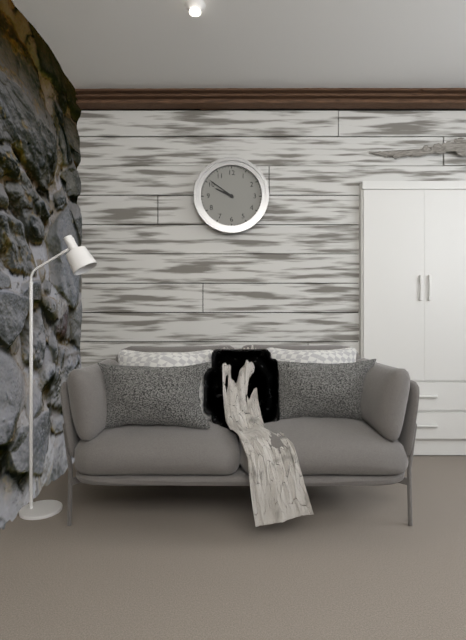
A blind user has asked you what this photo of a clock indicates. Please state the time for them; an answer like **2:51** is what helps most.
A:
**9:51**
